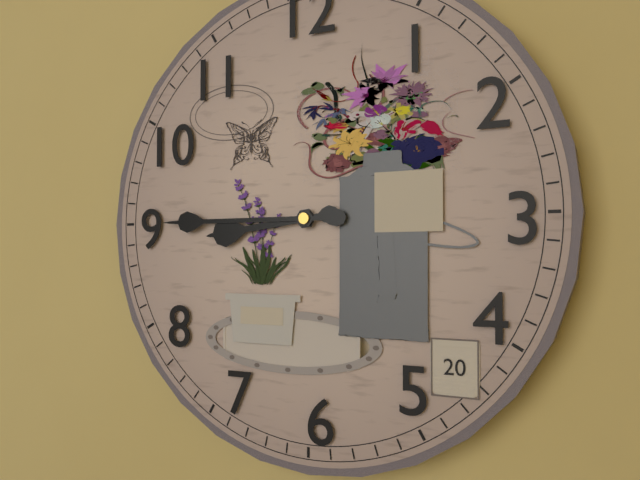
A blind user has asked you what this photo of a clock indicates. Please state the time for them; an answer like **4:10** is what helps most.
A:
**8:45**
